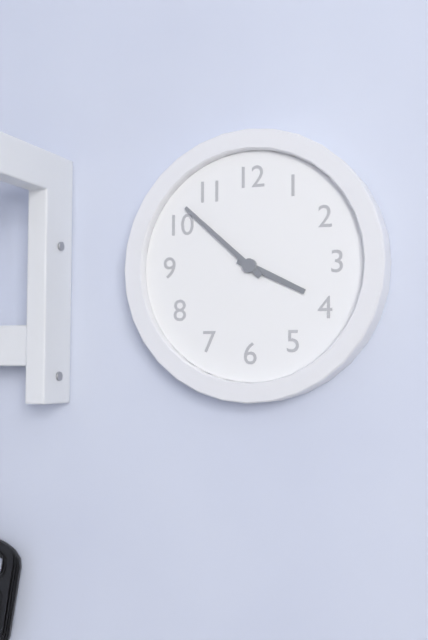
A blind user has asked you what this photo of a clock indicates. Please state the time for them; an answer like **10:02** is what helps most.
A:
**3:52**
